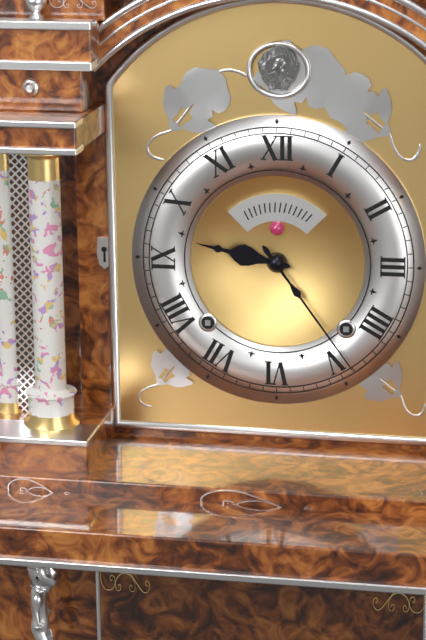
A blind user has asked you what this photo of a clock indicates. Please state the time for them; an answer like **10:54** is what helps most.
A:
**9:24**
